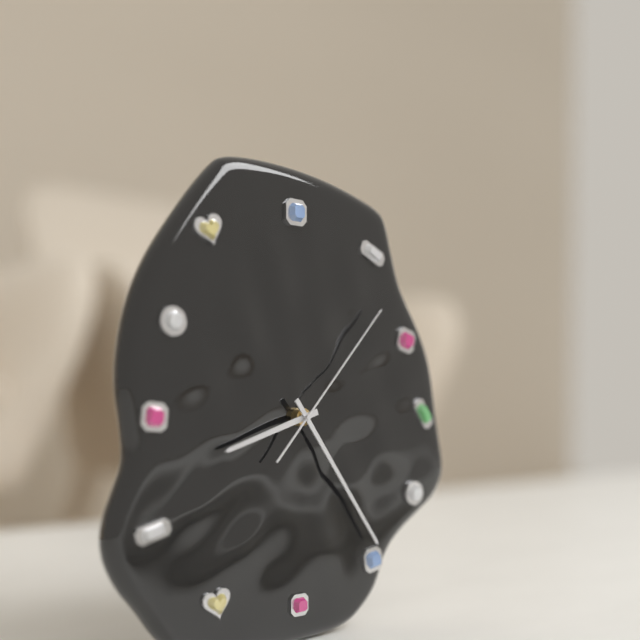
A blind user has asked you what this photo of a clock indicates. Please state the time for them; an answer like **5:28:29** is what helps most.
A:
**8:24:07**
